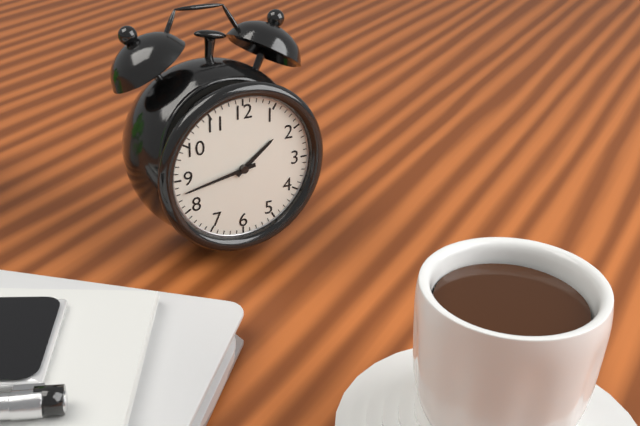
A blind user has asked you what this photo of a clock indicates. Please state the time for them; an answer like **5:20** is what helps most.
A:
**1:43**
